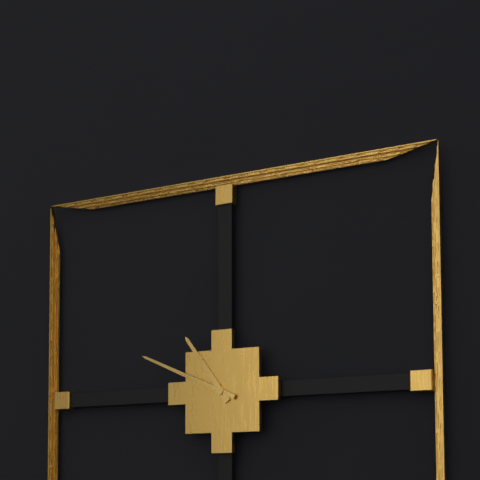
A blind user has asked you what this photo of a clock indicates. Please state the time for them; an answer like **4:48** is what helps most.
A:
**10:49**
